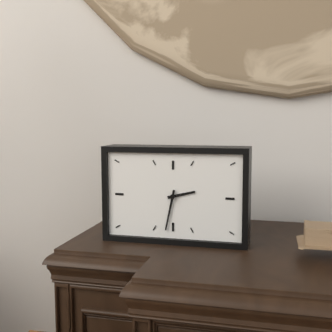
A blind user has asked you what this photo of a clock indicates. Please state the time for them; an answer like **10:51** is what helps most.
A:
**2:32**
